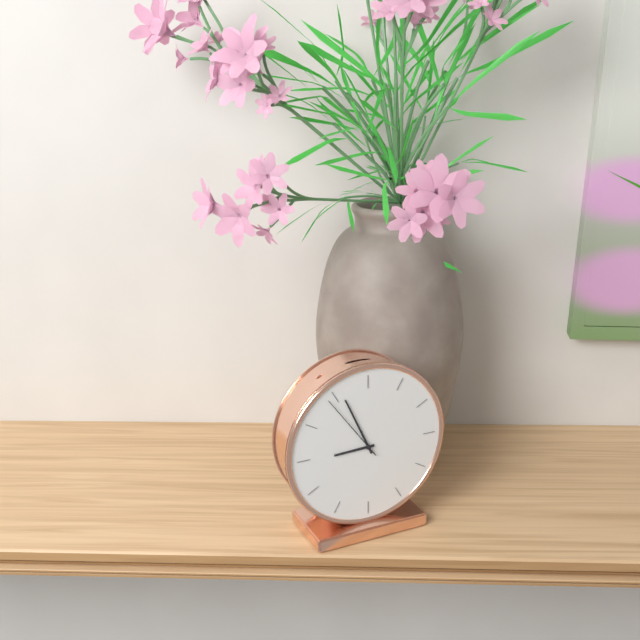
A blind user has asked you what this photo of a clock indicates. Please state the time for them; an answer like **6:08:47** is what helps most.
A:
**8:56:54**
